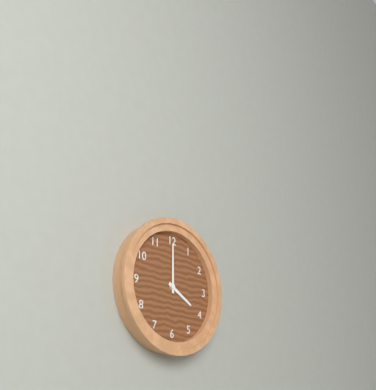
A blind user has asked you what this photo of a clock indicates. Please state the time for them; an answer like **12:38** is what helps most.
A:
**4:00**
